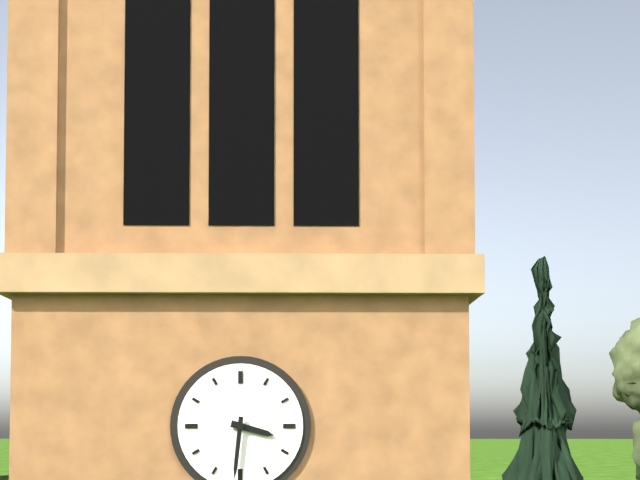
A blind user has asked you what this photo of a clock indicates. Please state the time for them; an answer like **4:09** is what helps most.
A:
**3:31**
